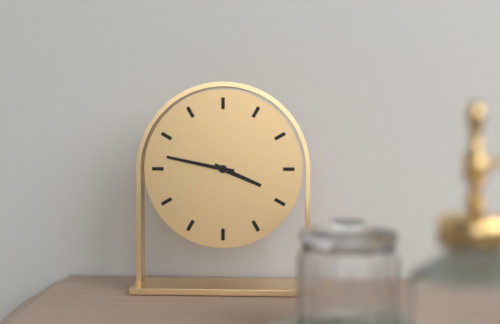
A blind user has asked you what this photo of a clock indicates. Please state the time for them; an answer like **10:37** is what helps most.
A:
**3:47**
